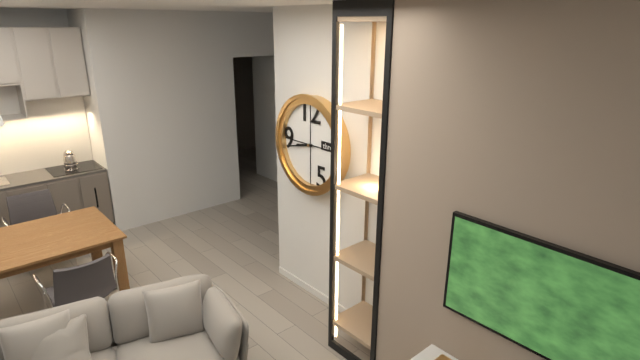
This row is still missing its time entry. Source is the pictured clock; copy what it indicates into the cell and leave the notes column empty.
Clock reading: 8:43
